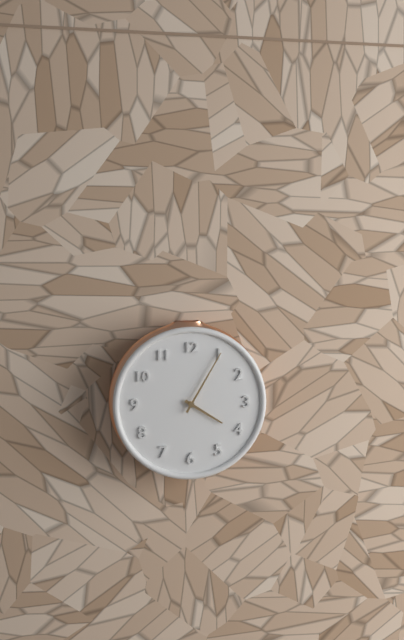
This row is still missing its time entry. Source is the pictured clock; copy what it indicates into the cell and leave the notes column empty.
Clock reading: 4:05
